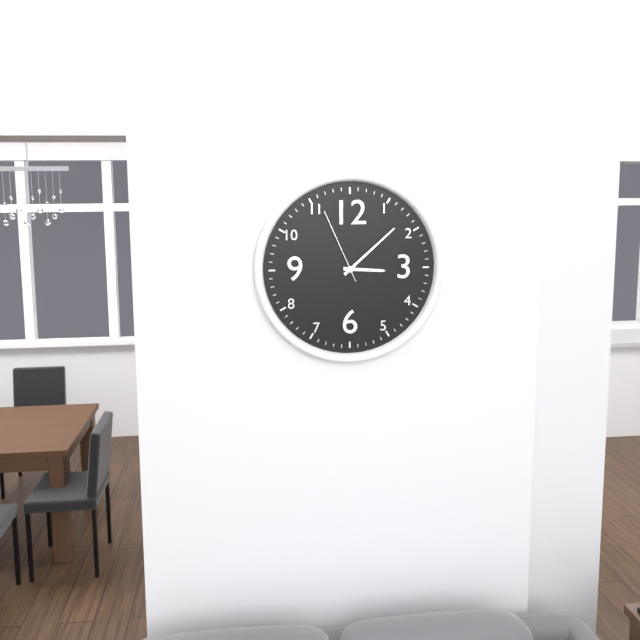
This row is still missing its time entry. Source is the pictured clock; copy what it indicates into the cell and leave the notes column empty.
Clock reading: 3:08:56
